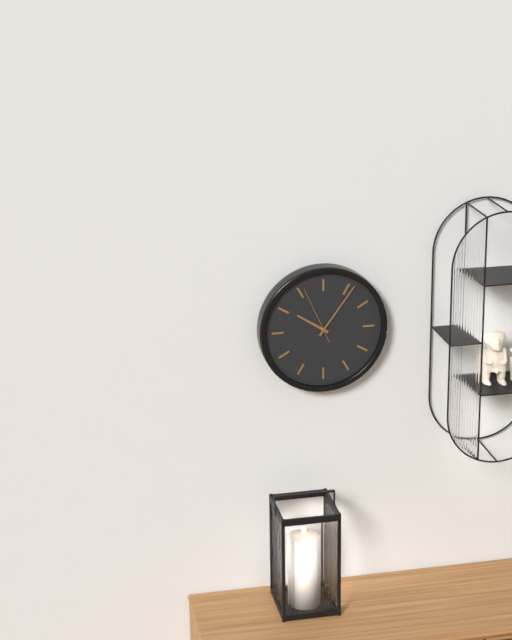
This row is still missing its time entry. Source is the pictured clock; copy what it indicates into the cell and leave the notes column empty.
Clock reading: 10:06:56
